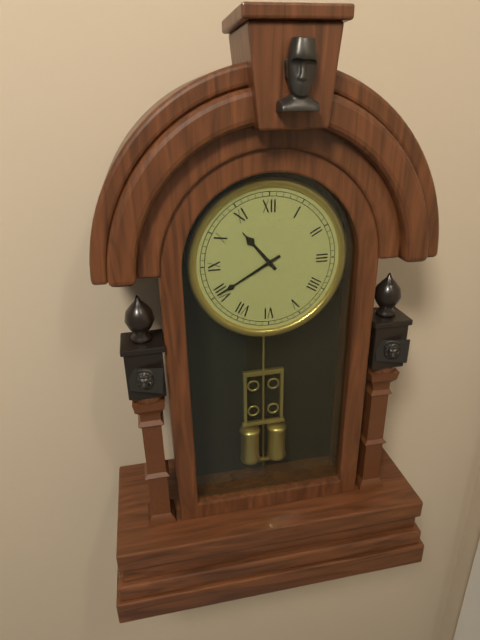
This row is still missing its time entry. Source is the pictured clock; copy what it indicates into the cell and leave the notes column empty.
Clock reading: 10:40
